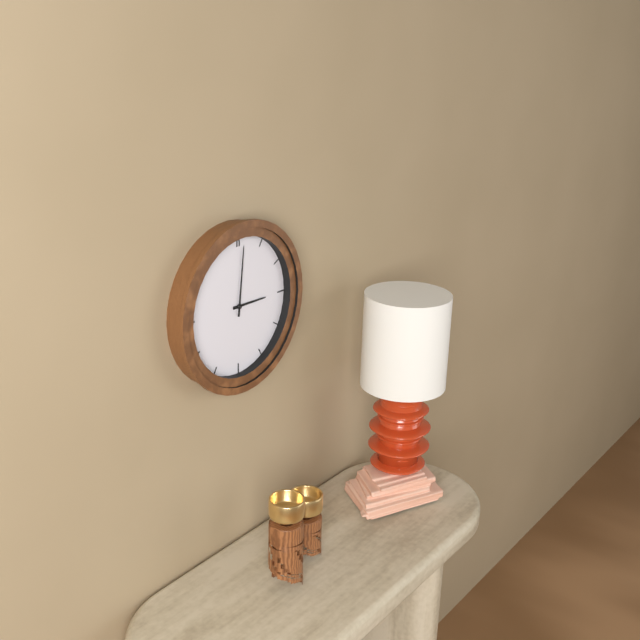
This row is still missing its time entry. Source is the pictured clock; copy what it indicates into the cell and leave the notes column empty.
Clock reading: 3:01
